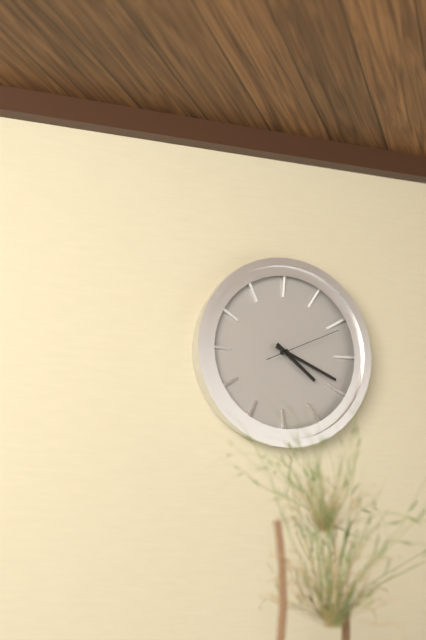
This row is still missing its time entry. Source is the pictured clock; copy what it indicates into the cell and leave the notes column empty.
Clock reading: 4:19:11
